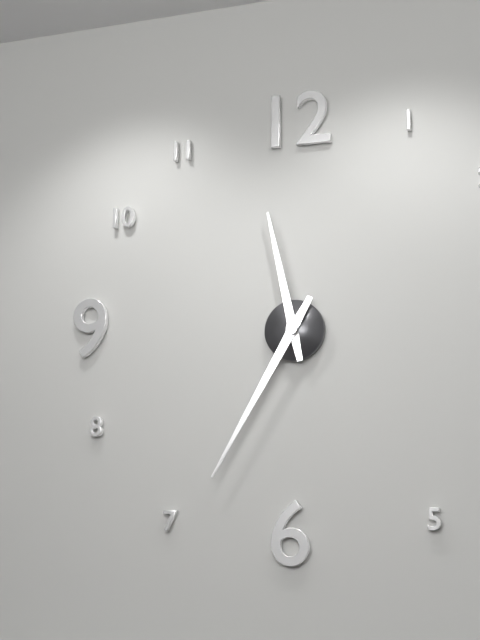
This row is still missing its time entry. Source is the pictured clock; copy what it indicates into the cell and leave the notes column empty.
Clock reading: 11:35
